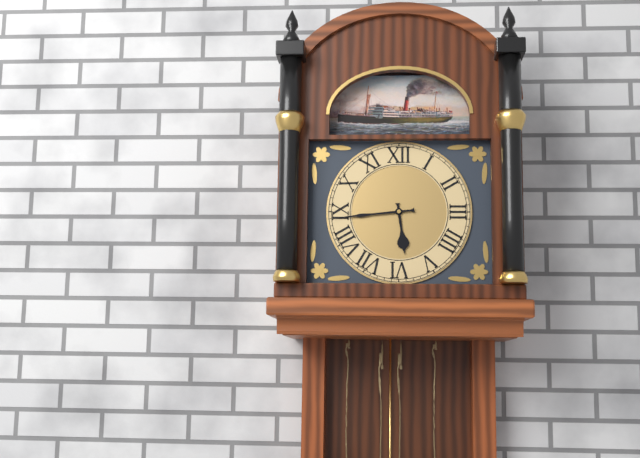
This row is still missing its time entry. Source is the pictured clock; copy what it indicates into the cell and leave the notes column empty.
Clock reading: 5:44
